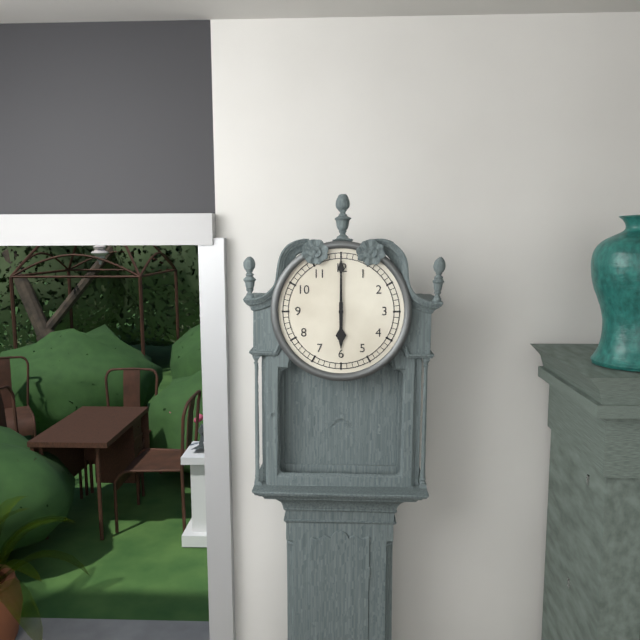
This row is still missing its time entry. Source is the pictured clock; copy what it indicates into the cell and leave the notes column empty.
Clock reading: 6:00
